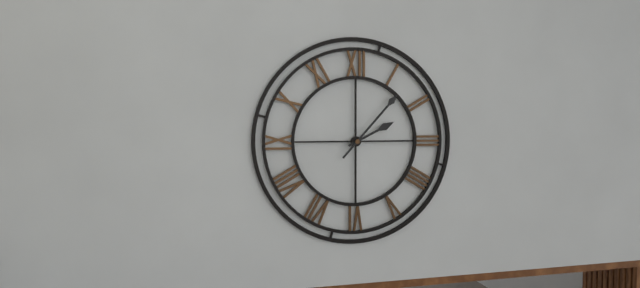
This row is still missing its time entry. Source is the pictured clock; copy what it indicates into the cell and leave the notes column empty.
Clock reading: 2:07
